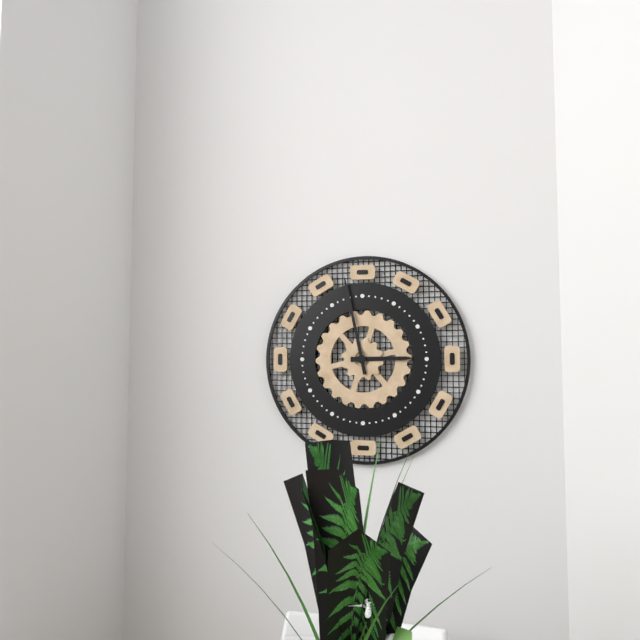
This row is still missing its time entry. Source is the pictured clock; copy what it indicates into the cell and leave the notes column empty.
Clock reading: 2:58
